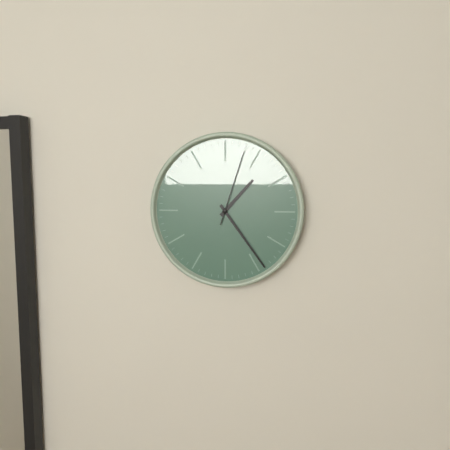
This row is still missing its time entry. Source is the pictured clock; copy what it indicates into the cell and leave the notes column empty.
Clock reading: 1:24:03
